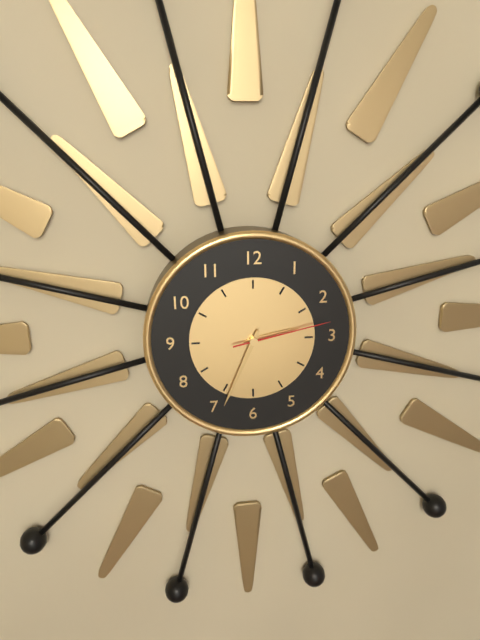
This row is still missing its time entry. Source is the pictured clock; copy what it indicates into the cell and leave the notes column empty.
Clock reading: 2:34:13
